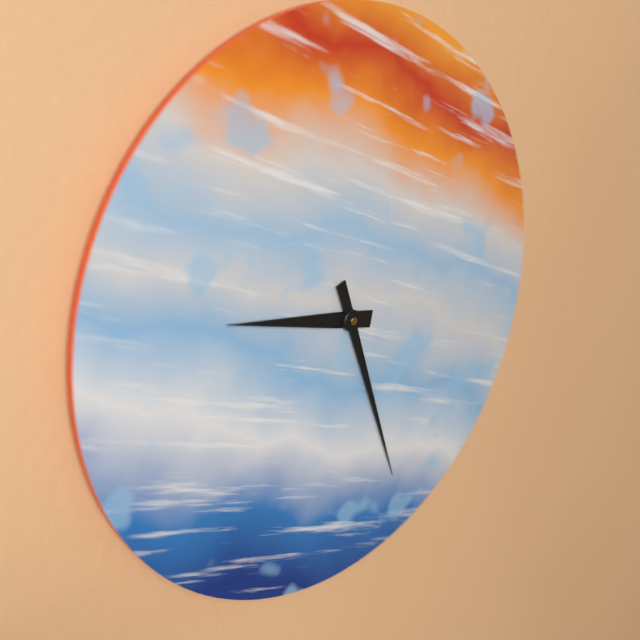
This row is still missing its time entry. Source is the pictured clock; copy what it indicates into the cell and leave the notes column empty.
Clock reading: 9:27
